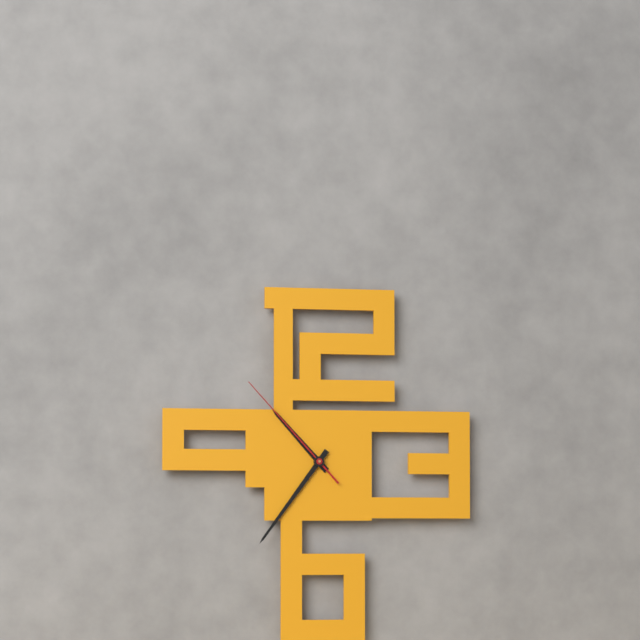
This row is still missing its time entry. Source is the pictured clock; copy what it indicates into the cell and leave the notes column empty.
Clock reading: 10:36:53
